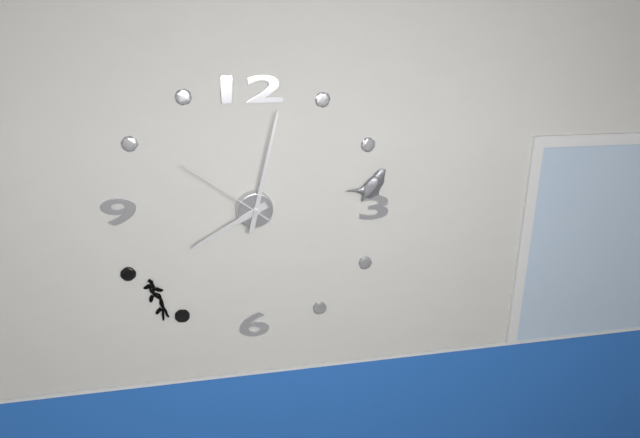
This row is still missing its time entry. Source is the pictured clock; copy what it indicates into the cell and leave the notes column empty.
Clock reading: 8:02:51
